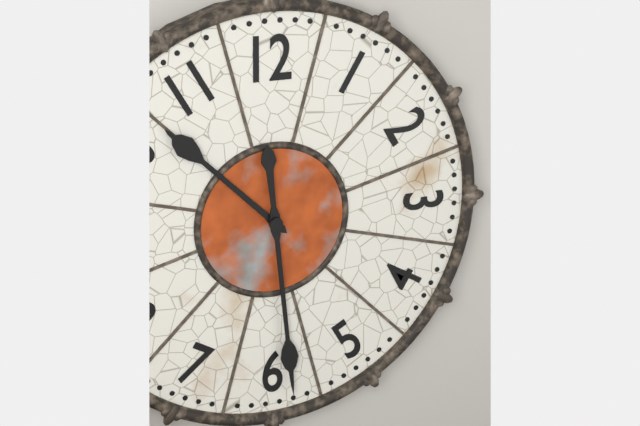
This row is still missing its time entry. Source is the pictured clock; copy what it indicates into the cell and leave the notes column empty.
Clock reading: 10:29
